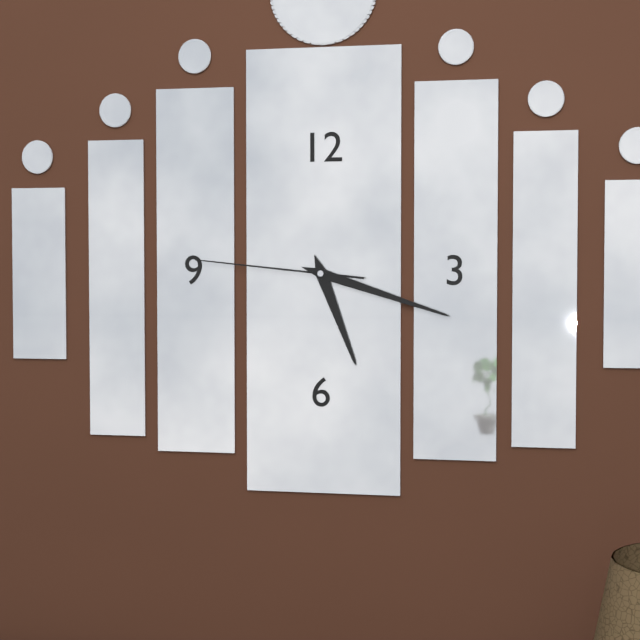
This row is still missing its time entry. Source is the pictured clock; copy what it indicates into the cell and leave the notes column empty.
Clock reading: 5:18:46
